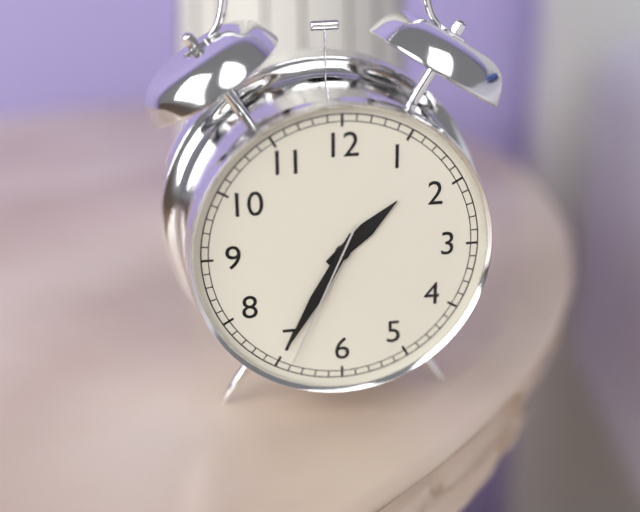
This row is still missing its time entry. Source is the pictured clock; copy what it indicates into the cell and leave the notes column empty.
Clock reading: 1:35:34
